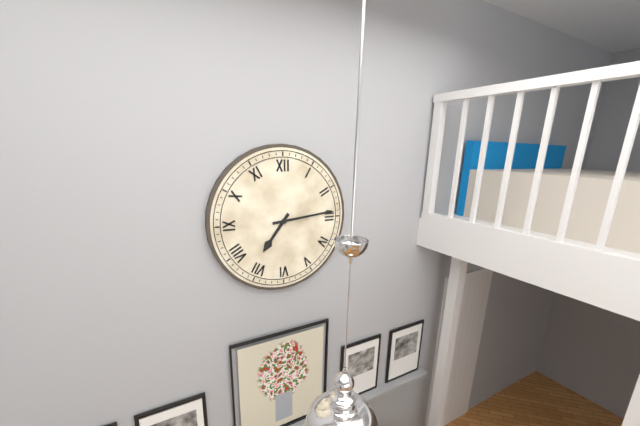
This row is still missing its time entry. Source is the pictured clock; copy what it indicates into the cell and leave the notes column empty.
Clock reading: 7:14
